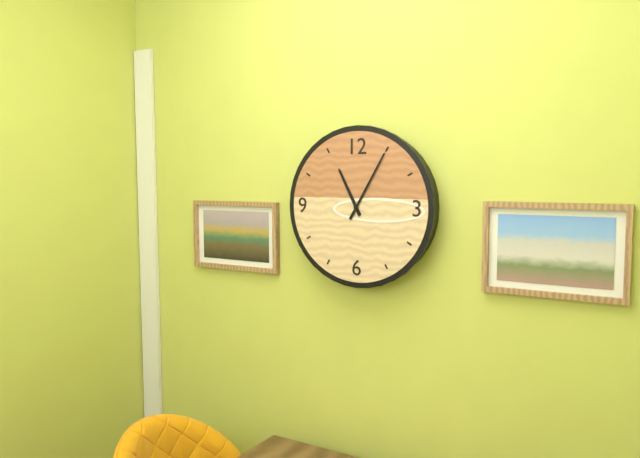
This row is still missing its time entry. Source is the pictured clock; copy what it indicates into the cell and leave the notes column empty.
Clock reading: 11:05
